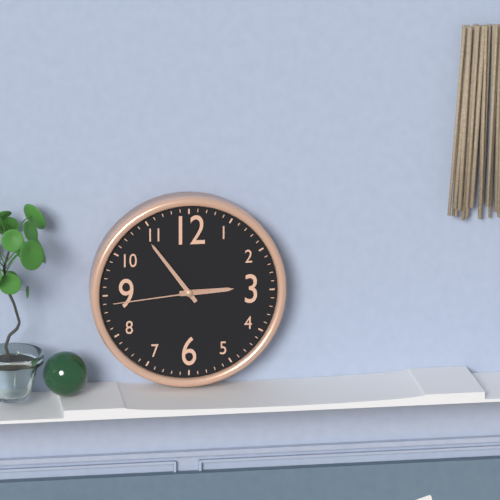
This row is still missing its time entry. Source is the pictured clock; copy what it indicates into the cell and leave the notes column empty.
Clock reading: 2:54:44
